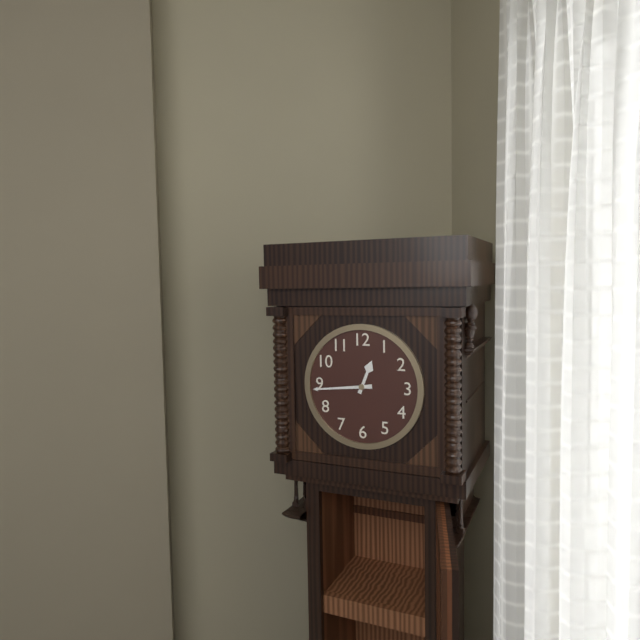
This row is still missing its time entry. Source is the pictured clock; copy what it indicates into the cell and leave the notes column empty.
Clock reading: 12:44
